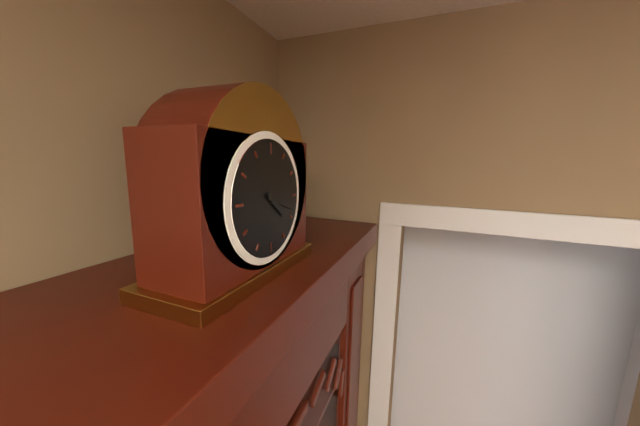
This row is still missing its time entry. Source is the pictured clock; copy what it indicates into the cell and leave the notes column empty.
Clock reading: 4:18
